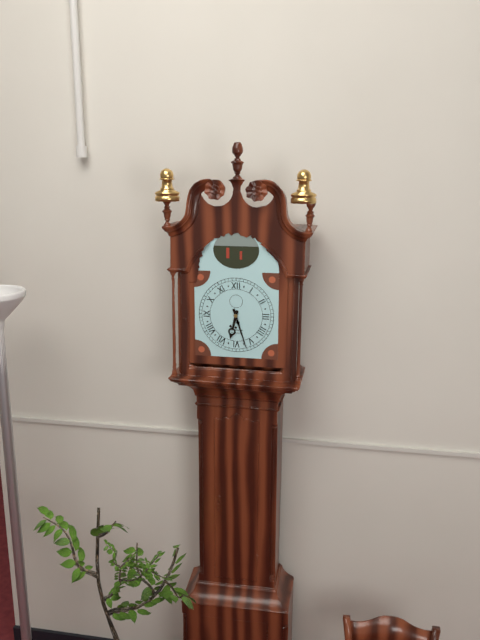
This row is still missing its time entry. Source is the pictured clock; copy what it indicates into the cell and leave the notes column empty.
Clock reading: 6:27
